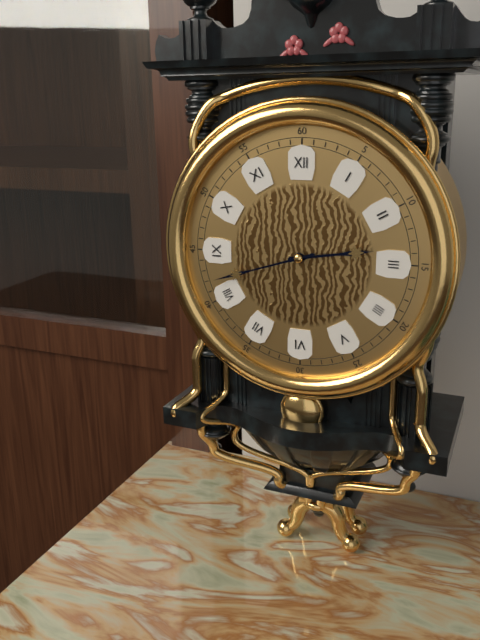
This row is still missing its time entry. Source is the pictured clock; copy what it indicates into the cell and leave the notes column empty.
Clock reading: 2:42
